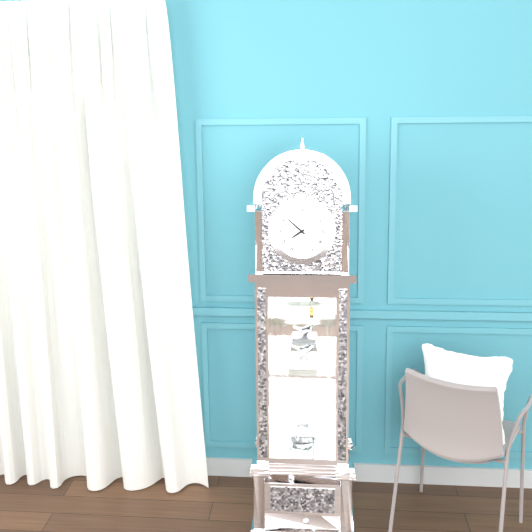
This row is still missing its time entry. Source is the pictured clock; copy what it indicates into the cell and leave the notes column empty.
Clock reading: 7:52
